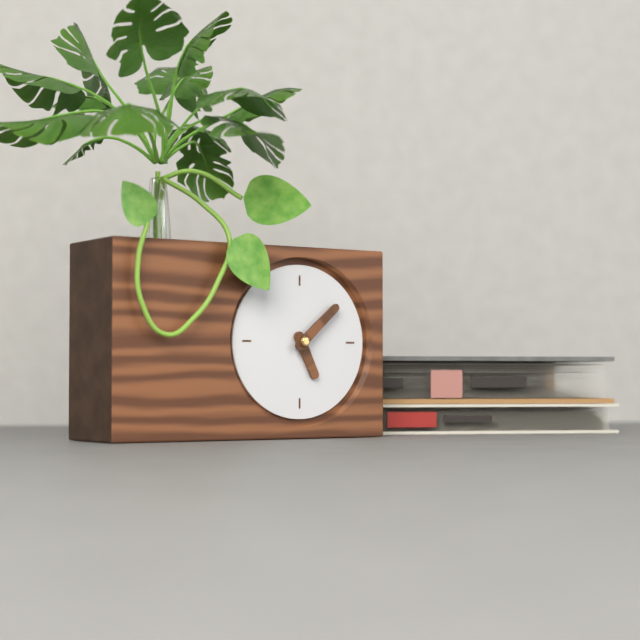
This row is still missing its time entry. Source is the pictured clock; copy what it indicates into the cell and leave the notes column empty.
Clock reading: 5:08
